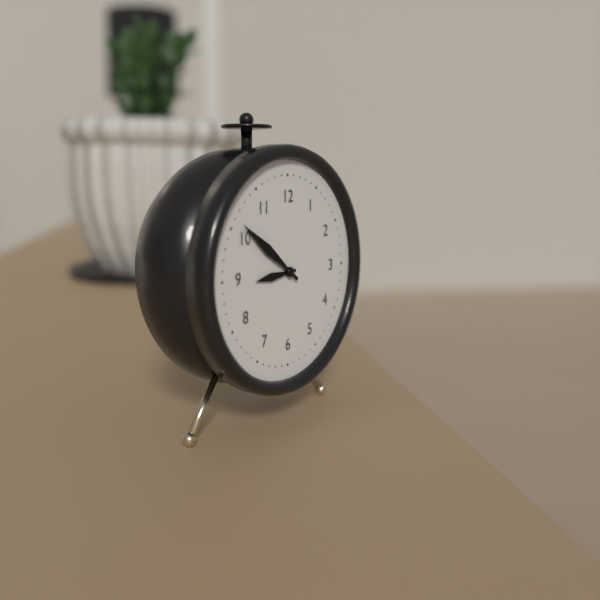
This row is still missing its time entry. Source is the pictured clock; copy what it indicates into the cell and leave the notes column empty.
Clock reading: 8:51
